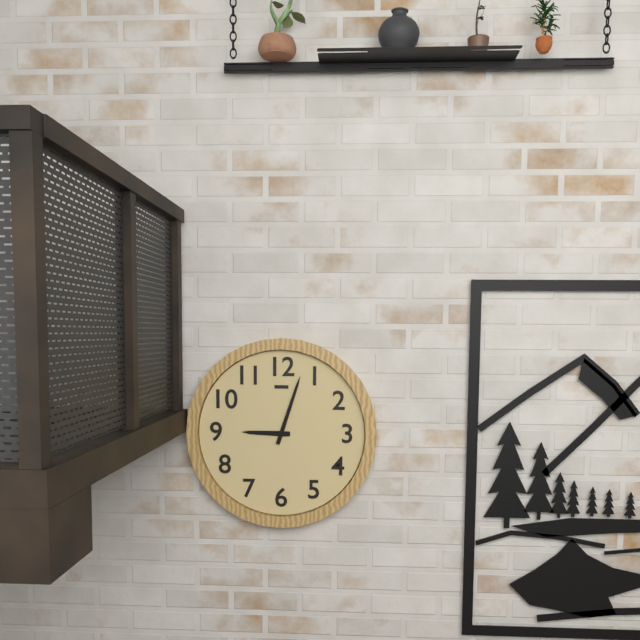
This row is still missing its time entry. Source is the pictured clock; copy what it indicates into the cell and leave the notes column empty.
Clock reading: 9:03
